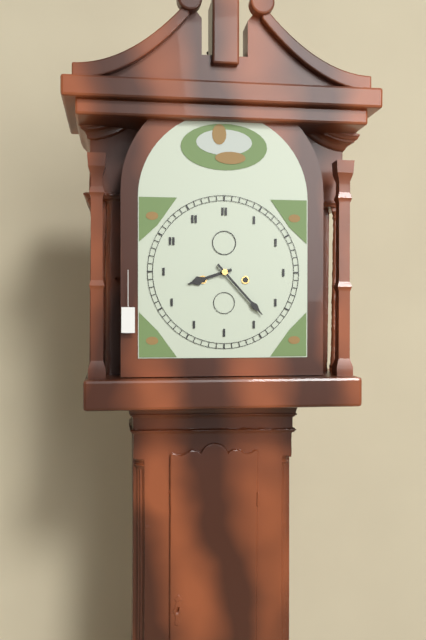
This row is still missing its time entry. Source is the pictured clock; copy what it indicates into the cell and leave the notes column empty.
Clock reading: 8:23
